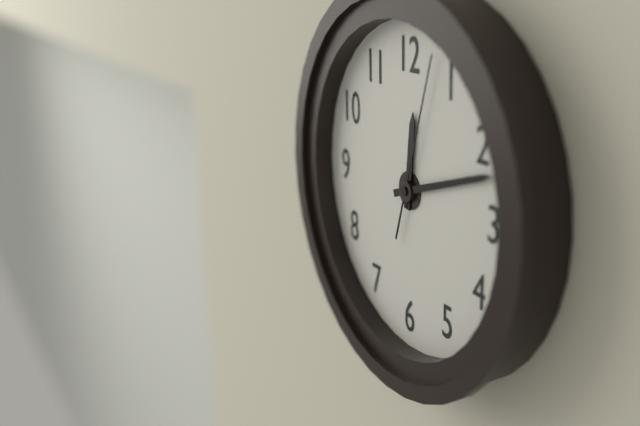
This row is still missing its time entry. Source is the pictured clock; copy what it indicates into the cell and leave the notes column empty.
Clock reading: 12:12:03
